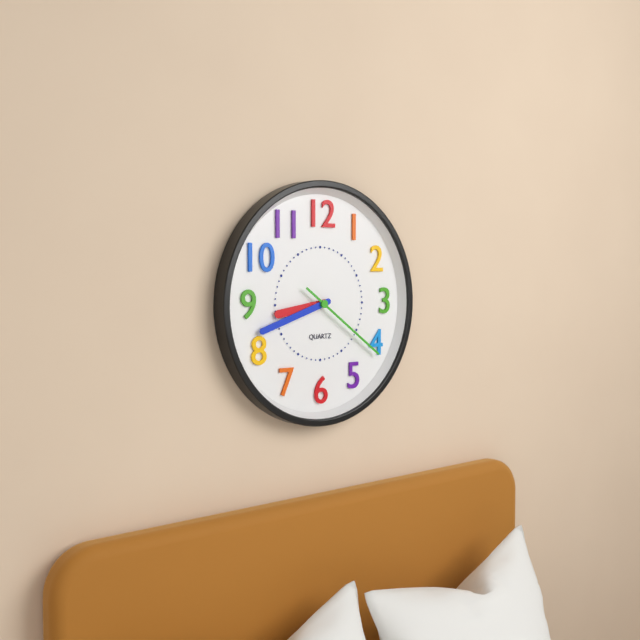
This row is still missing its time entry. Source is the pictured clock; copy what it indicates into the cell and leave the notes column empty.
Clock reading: 8:42:21
